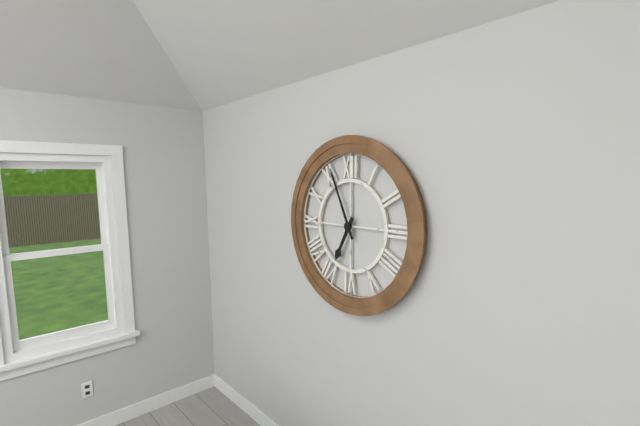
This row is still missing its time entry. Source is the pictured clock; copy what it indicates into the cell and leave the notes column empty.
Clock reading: 6:56
